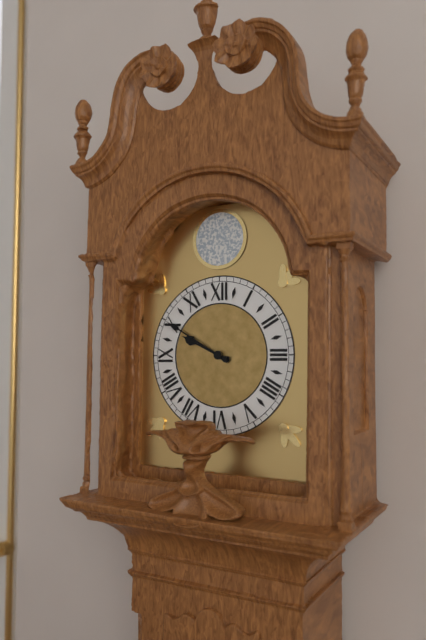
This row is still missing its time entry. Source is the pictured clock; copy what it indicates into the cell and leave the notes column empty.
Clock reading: 9:50
